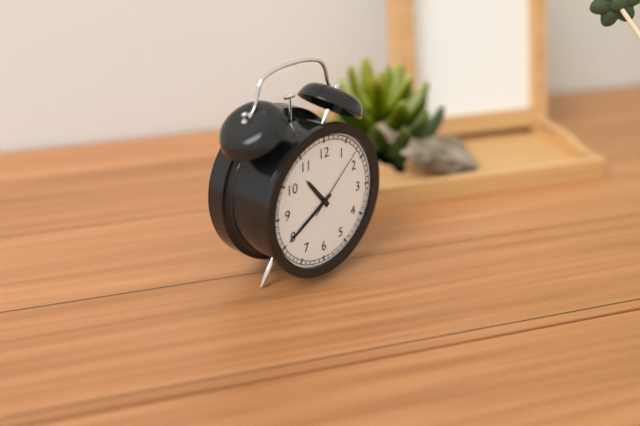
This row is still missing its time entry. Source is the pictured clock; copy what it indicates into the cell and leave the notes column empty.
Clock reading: 10:40:08
